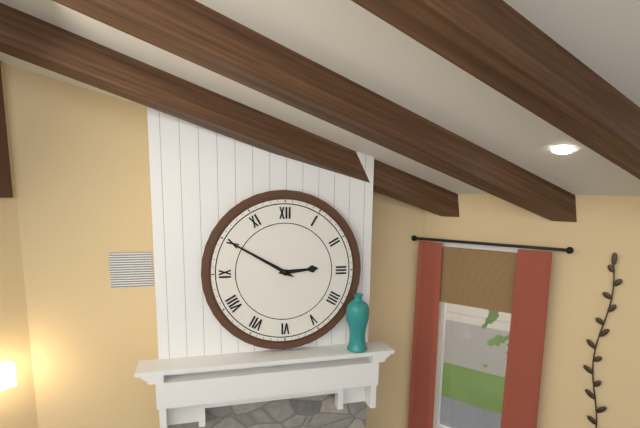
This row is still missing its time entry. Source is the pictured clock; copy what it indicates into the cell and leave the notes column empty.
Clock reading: 2:50
